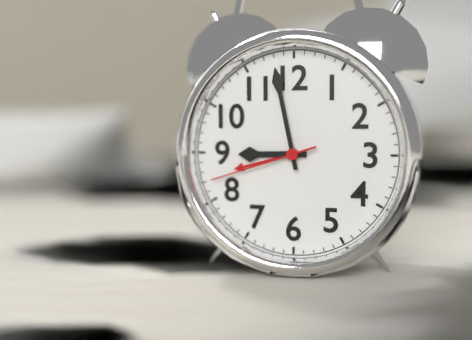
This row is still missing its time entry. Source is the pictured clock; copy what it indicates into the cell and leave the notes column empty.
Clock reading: 8:58:42
